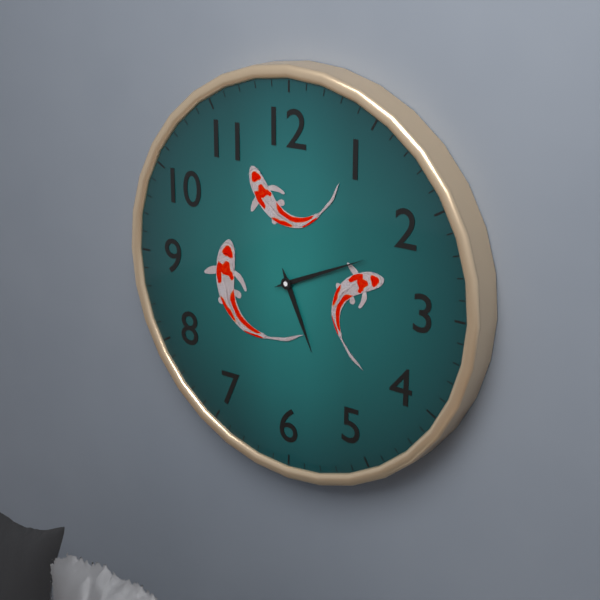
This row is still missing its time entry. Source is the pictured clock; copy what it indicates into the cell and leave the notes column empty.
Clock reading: 5:11
